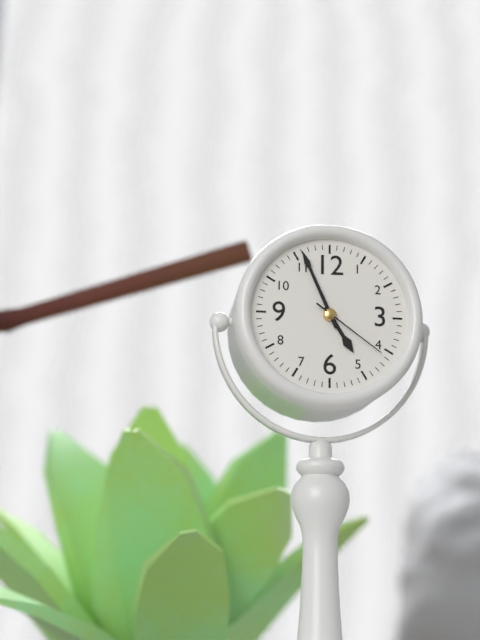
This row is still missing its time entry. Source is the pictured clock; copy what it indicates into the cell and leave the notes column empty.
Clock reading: 4:56:21
